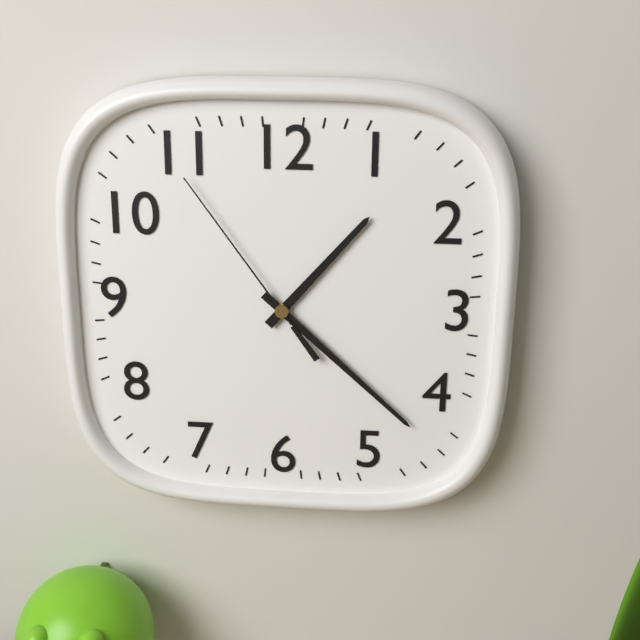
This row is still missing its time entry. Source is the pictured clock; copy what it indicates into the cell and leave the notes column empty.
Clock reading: 1:22:54
